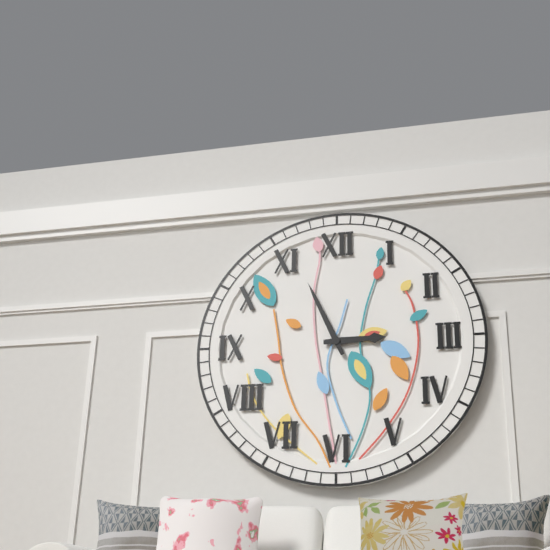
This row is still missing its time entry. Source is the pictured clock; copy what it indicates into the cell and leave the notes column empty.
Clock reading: 2:56
